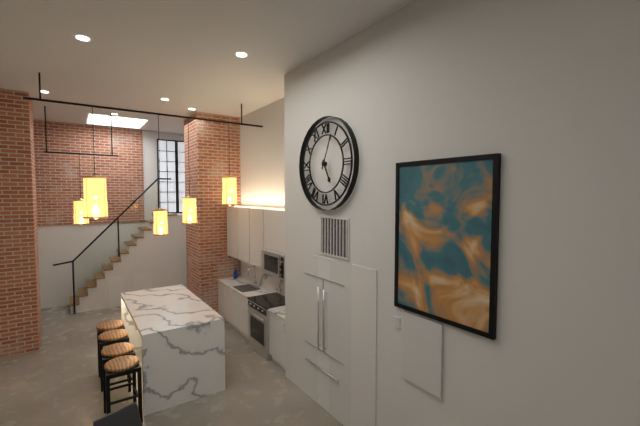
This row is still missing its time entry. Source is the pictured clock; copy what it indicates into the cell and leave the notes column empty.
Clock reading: 5:04
